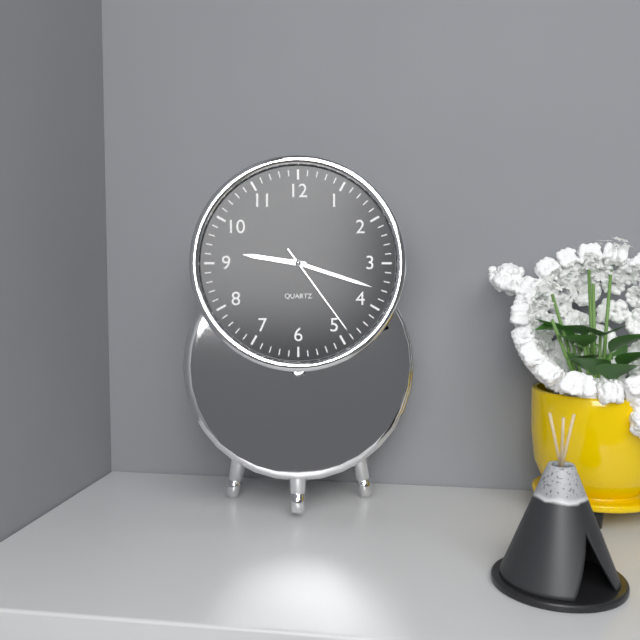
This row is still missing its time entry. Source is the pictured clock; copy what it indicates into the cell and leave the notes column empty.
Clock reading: 9:18:24
